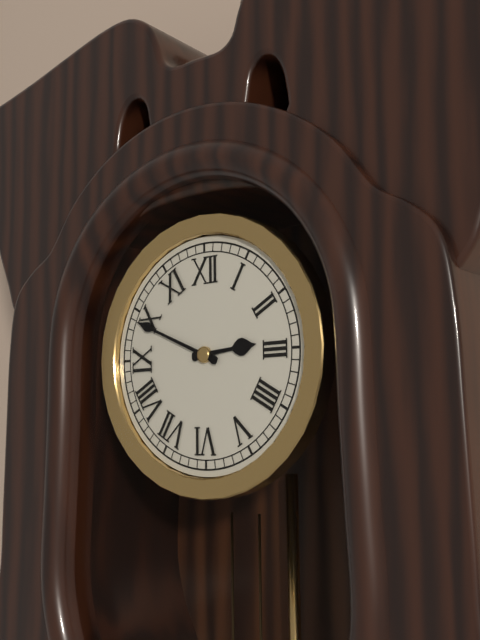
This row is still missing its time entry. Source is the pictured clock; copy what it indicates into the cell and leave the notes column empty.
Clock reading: 2:49
